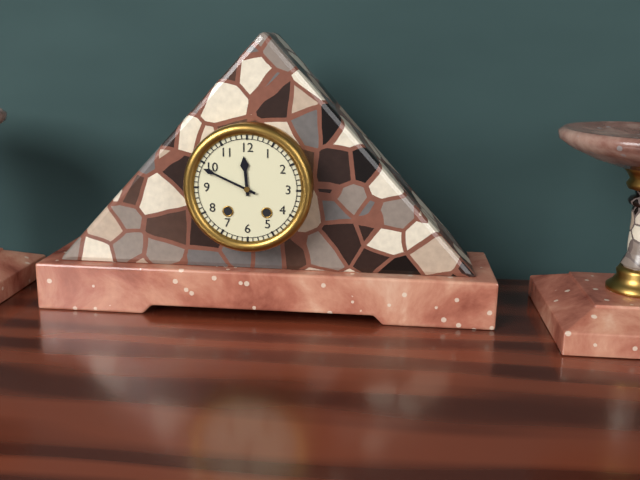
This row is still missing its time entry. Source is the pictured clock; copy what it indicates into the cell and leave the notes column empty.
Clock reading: 11:49
